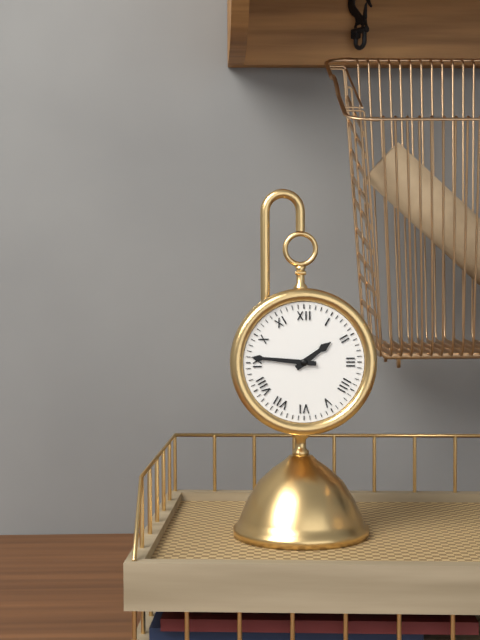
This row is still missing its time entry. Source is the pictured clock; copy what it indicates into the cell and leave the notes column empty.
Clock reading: 1:46
